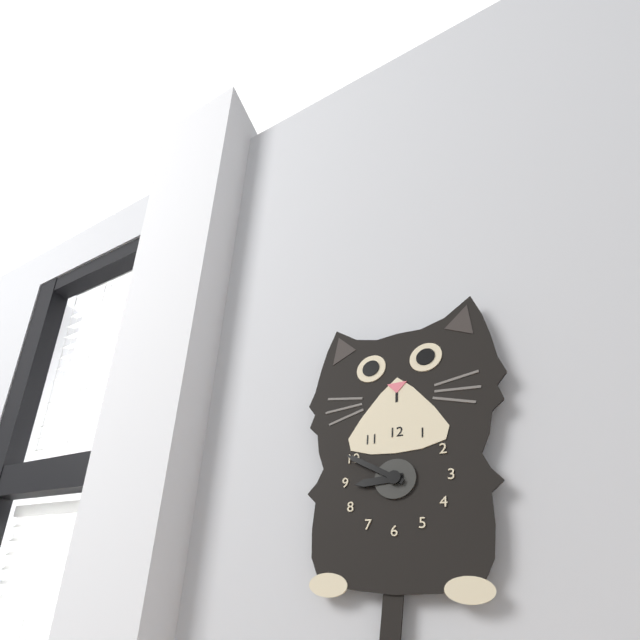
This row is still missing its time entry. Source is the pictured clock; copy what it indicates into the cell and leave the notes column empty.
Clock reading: 8:50
